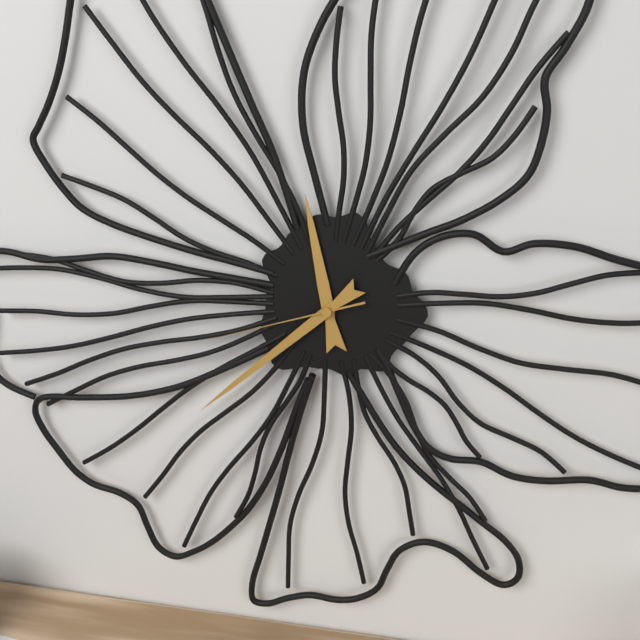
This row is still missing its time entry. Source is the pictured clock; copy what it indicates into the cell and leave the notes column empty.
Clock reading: 11:38:42
